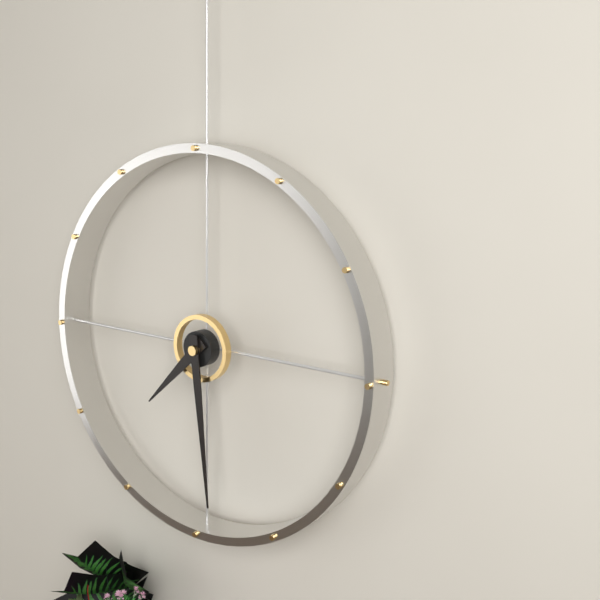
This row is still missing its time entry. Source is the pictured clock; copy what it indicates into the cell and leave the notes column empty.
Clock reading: 7:29
